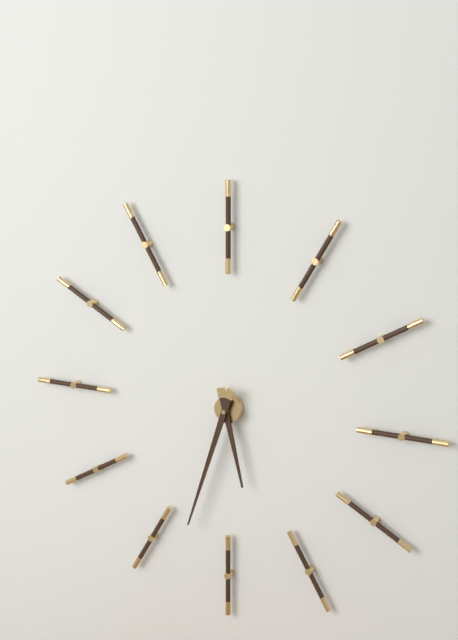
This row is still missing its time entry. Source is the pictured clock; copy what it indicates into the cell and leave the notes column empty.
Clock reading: 5:33
